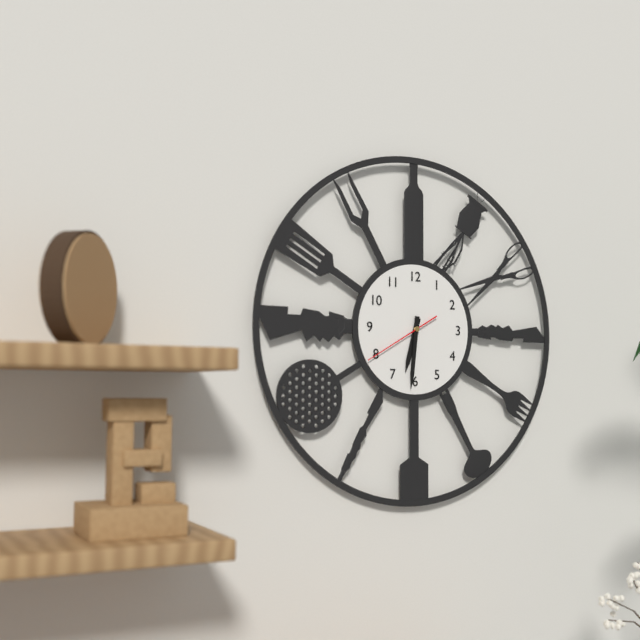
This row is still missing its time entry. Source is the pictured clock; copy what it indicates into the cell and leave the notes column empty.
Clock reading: 6:31:40
